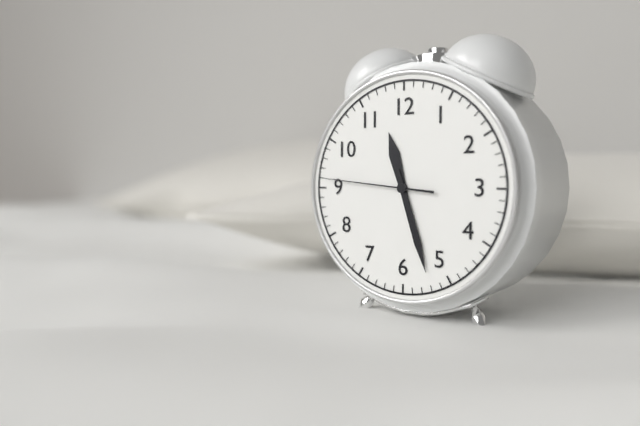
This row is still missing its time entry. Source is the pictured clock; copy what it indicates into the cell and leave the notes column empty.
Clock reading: 11:27:46
